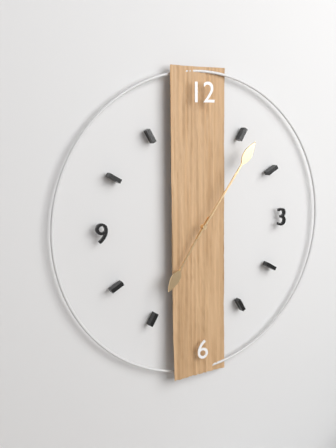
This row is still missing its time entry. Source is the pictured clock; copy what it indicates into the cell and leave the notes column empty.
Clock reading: 7:06
